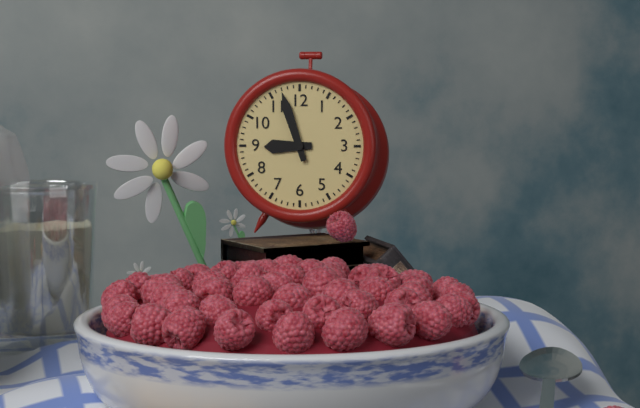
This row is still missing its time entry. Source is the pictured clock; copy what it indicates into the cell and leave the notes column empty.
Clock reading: 8:57
